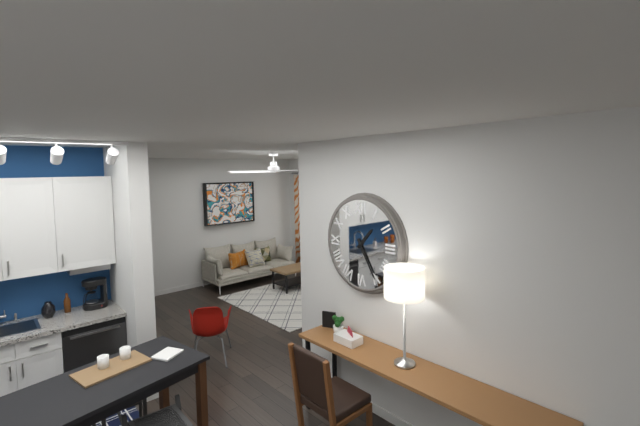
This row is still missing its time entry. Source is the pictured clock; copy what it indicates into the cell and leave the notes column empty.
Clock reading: 1:25
